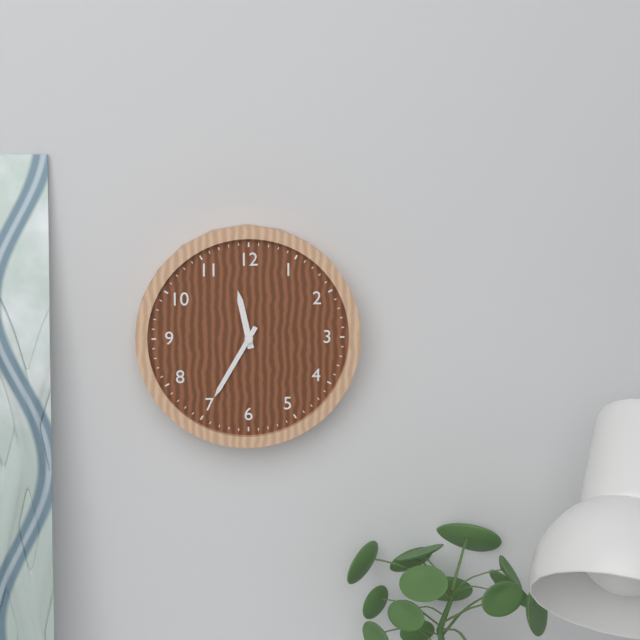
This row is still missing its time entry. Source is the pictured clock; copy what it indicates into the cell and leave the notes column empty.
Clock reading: 11:35
